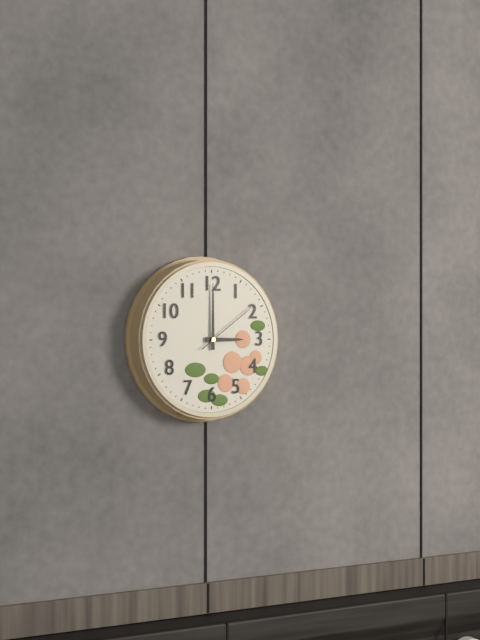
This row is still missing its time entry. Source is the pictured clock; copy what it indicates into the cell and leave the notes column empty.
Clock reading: 3:00:09
